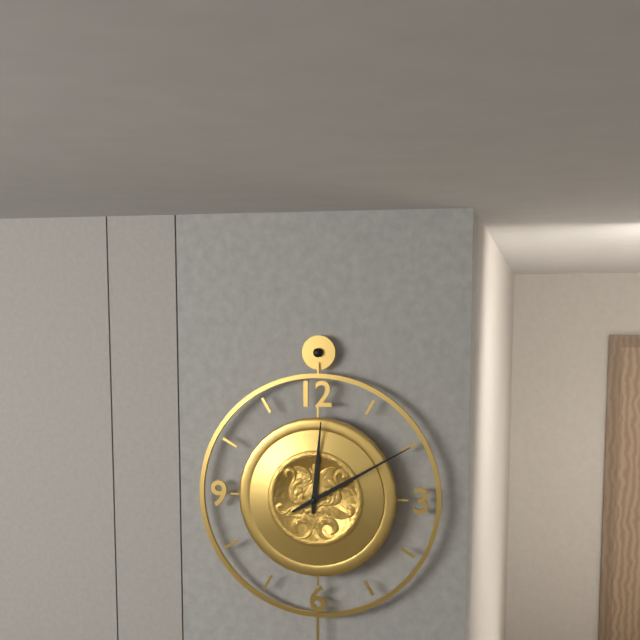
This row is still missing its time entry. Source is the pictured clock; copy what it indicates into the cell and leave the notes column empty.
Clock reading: 12:10
